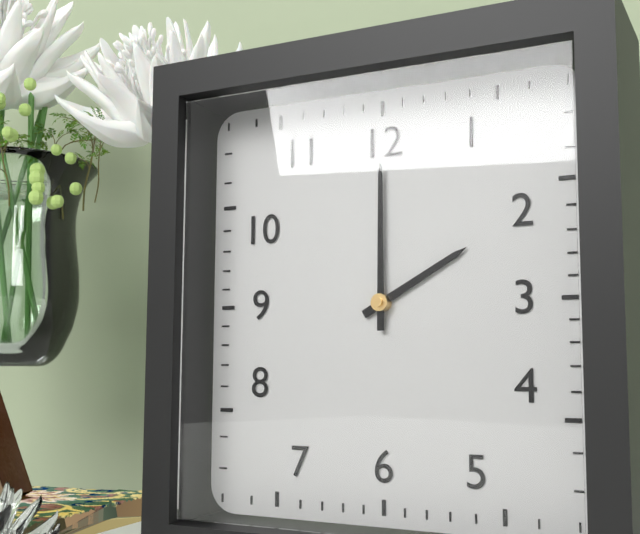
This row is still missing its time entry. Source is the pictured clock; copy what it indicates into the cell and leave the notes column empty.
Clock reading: 2:00
